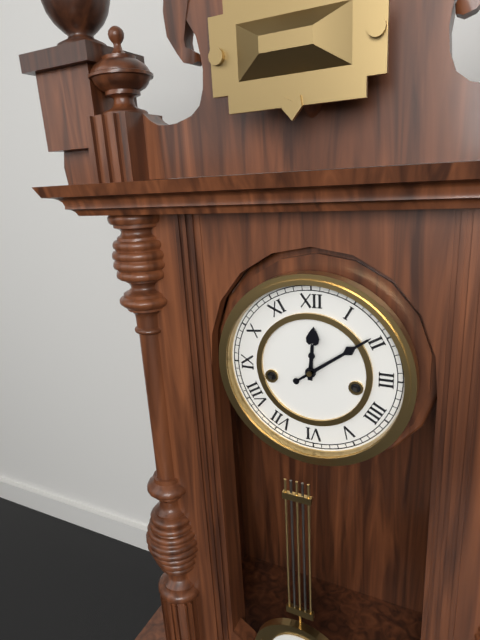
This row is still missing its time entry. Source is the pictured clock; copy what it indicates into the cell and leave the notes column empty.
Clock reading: 12:09
